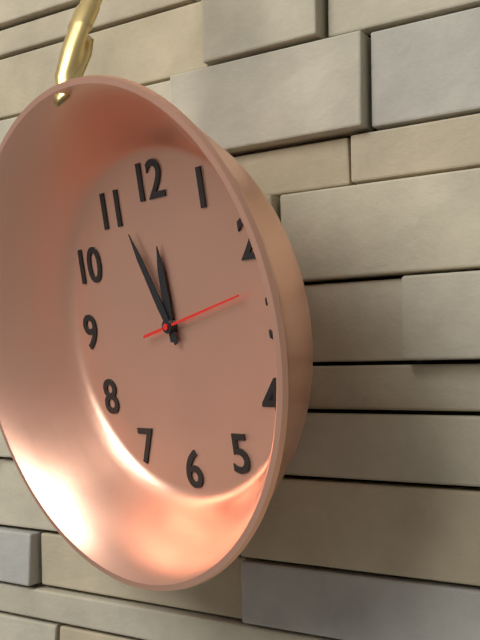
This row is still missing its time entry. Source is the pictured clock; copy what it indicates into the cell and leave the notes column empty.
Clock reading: 11:56:13
